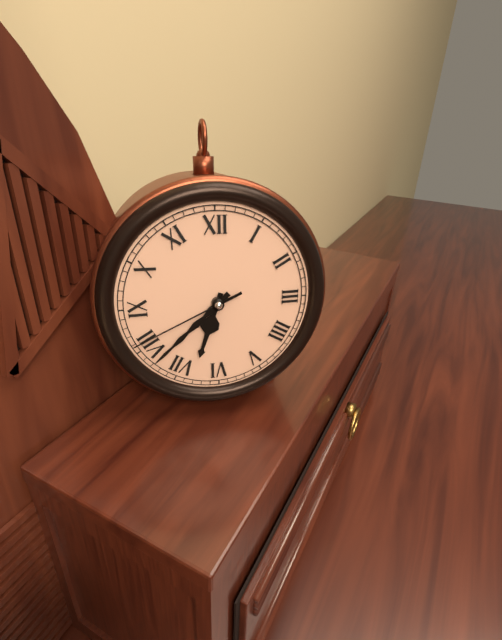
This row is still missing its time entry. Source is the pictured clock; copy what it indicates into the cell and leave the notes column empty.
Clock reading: 6:38:41
